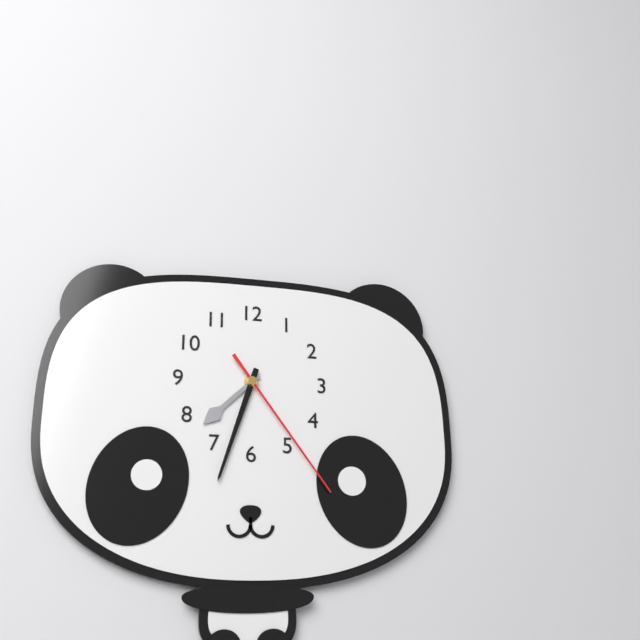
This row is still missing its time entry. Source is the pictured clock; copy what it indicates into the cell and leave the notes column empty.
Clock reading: 7:33:24
